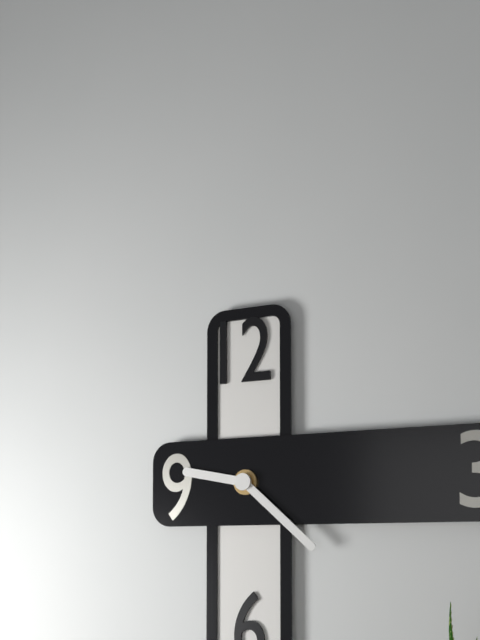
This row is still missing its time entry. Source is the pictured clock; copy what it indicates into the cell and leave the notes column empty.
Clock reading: 9:22
